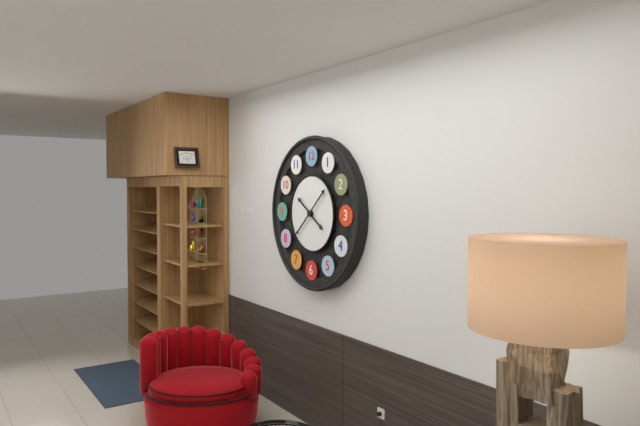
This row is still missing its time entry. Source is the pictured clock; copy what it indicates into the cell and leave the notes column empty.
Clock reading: 4:08
